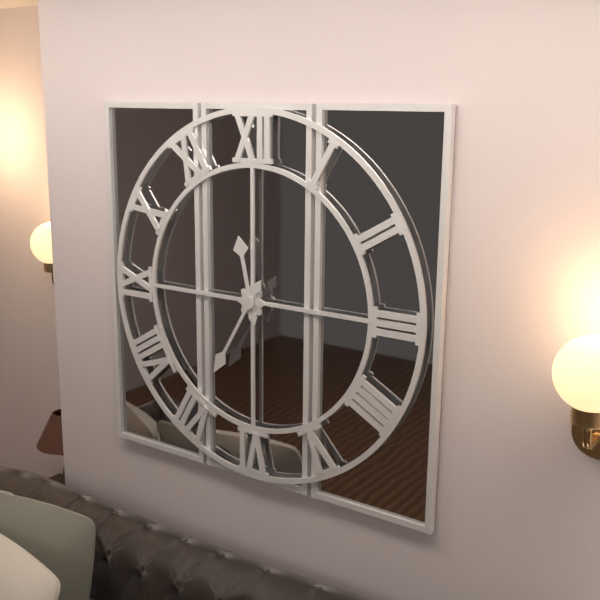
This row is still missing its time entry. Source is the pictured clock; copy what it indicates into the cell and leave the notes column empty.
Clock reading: 11:35
